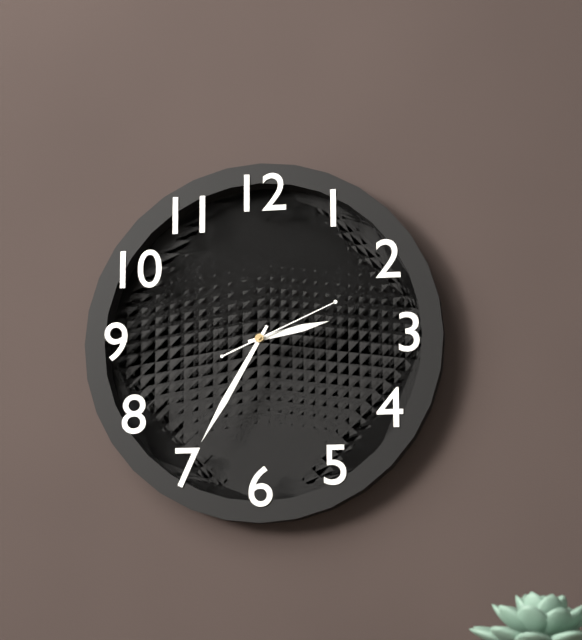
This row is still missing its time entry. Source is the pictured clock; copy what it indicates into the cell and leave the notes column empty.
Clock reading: 2:35:11
